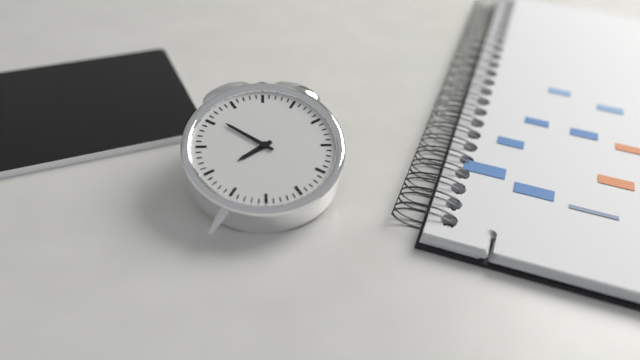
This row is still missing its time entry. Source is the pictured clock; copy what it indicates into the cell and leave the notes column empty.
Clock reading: 7:51
